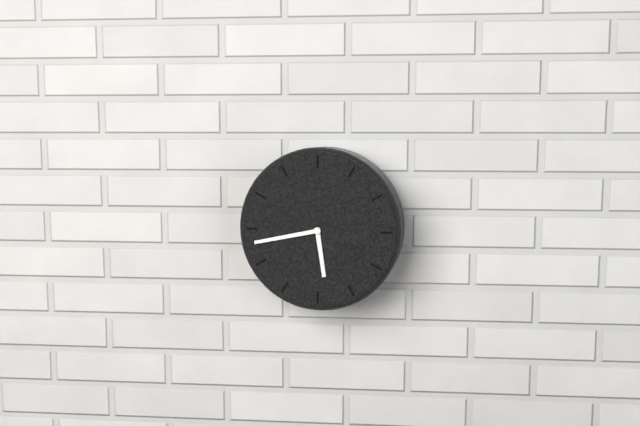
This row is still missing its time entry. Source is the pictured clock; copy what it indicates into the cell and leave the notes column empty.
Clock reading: 5:43
